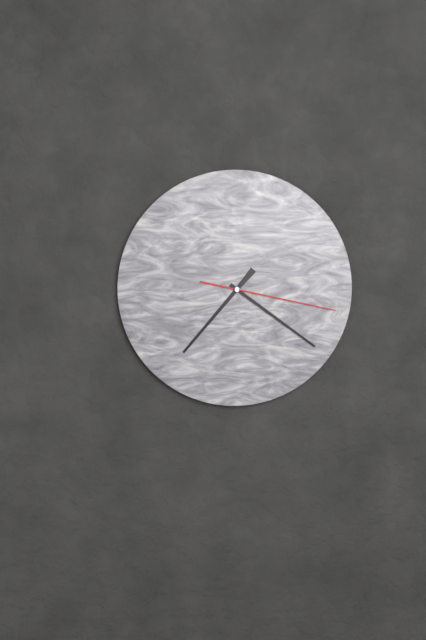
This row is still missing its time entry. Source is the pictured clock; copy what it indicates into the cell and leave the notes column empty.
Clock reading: 7:21:17
